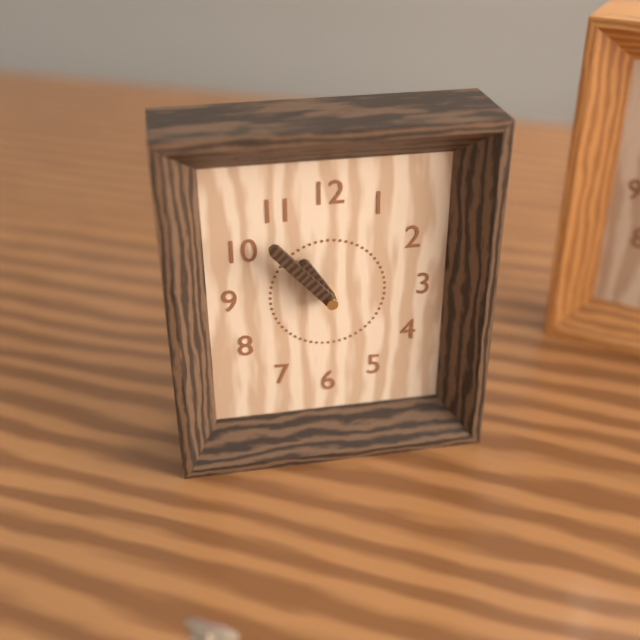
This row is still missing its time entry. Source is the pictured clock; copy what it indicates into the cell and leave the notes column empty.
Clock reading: 10:53
